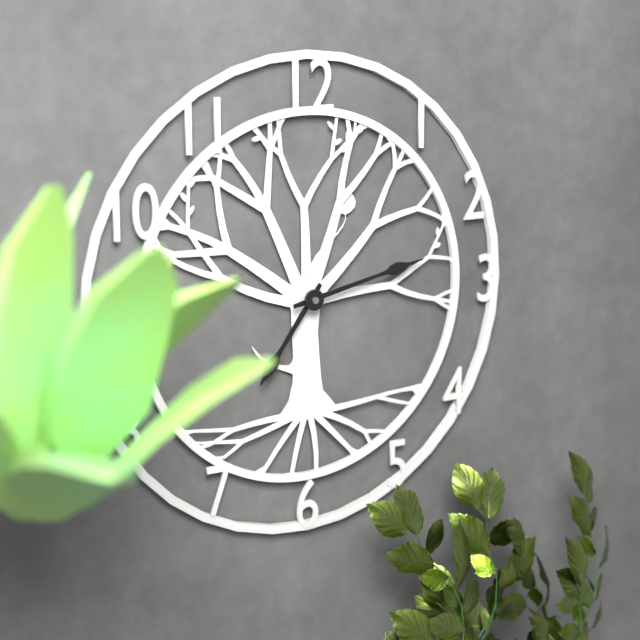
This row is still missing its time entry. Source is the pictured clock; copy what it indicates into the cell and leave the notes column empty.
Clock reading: 7:13
